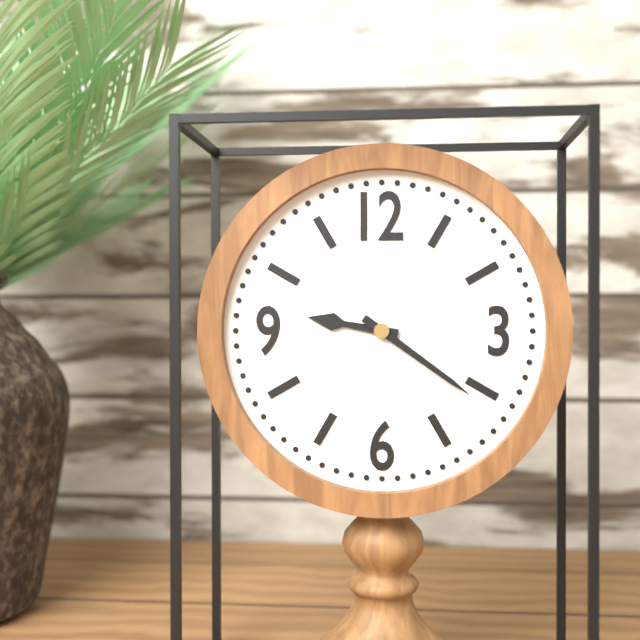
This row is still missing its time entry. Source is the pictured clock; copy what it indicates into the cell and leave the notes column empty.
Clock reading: 9:21
